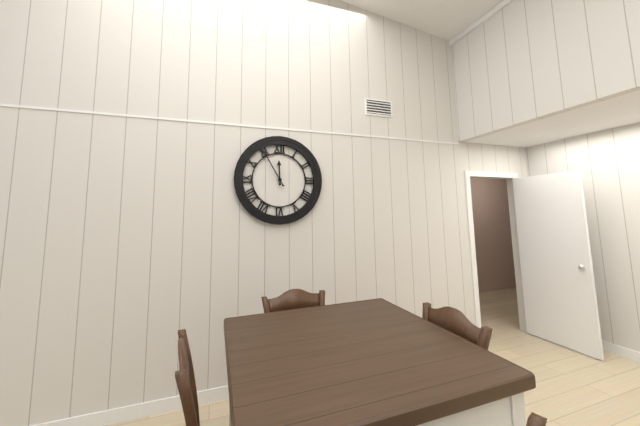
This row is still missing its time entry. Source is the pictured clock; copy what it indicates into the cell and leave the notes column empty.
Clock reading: 11:55
